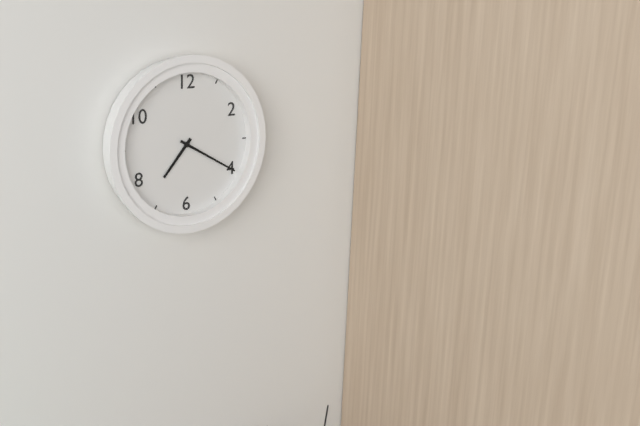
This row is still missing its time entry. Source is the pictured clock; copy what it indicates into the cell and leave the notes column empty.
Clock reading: 7:20
